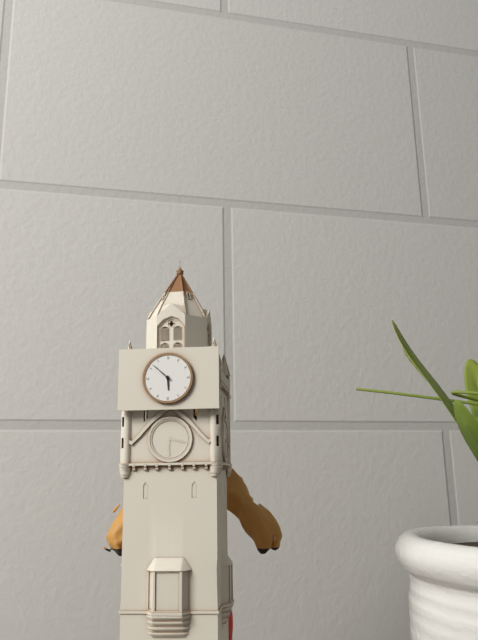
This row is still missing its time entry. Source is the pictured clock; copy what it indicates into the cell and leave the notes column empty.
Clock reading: 5:52
